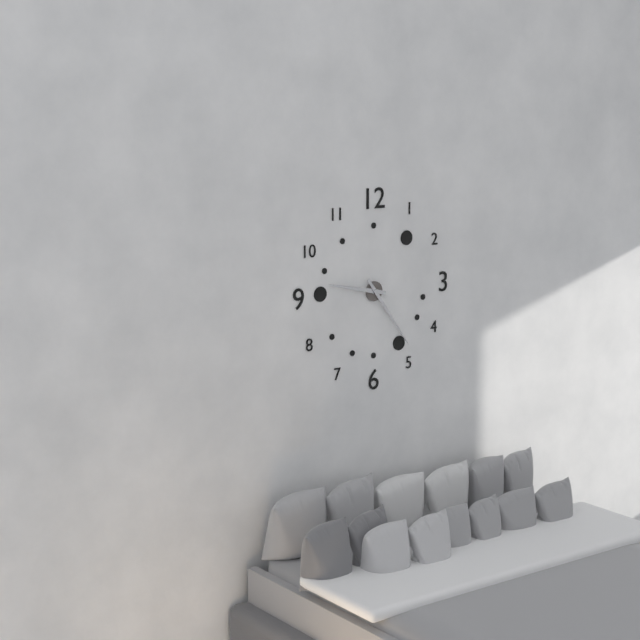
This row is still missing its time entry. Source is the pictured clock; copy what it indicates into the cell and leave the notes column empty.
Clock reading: 9:24
